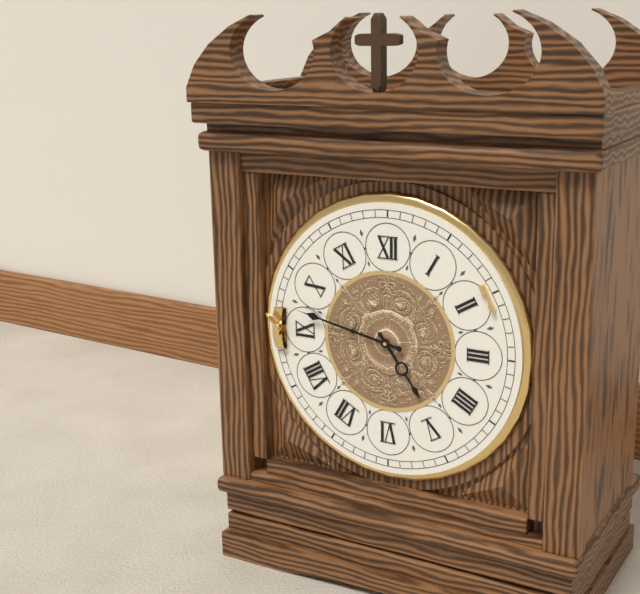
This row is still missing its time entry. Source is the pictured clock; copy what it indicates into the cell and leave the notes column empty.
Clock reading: 4:47
